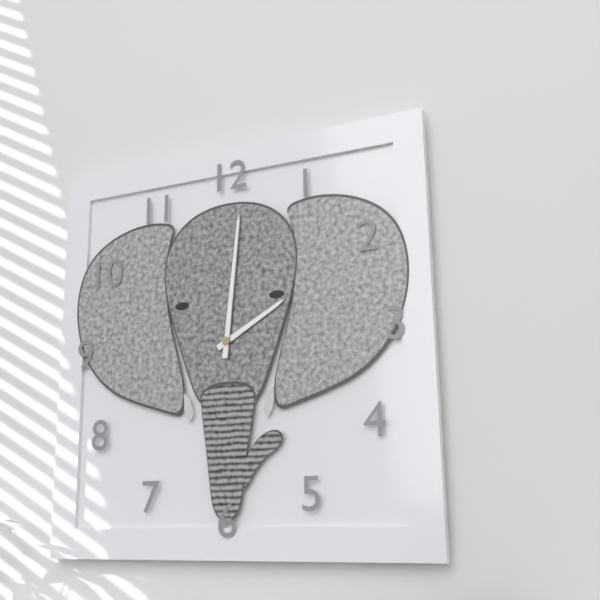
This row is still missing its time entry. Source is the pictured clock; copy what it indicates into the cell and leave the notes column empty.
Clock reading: 2:01
